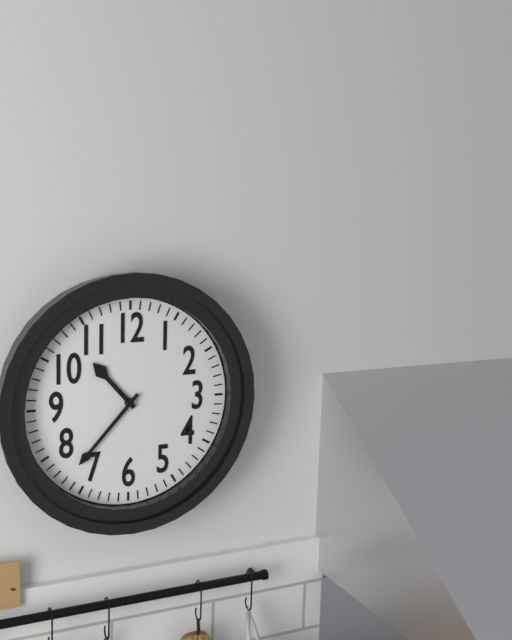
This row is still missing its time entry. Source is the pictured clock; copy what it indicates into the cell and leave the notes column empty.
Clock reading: 10:37
